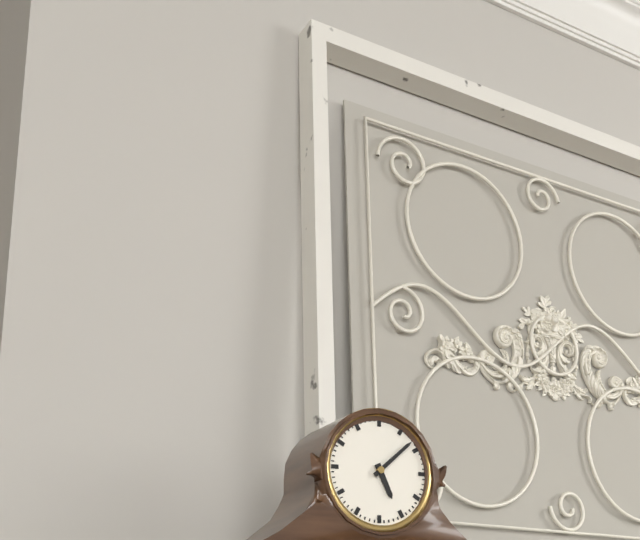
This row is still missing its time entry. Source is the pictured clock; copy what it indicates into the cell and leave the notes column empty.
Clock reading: 5:08
